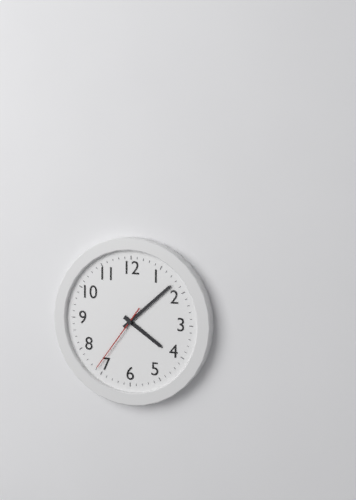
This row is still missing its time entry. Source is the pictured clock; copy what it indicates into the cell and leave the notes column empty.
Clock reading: 4:08:36
